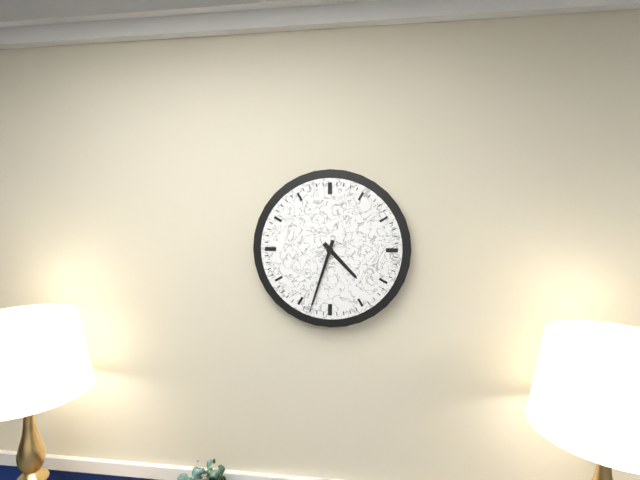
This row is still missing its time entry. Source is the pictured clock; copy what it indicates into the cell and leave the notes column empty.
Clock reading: 4:33
